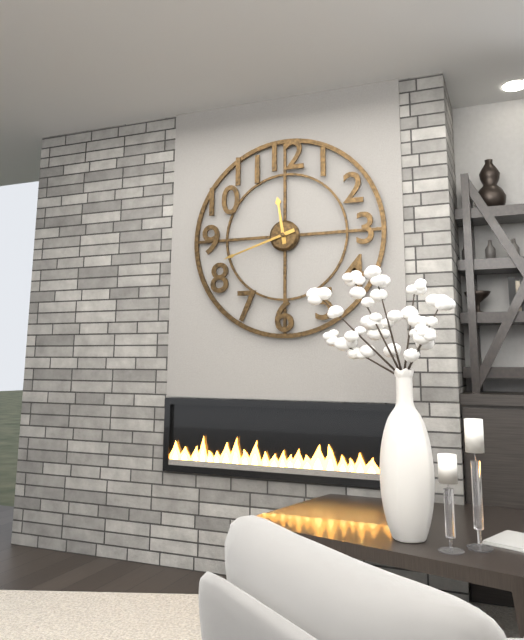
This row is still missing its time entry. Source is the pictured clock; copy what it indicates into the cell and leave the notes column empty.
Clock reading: 11:42
